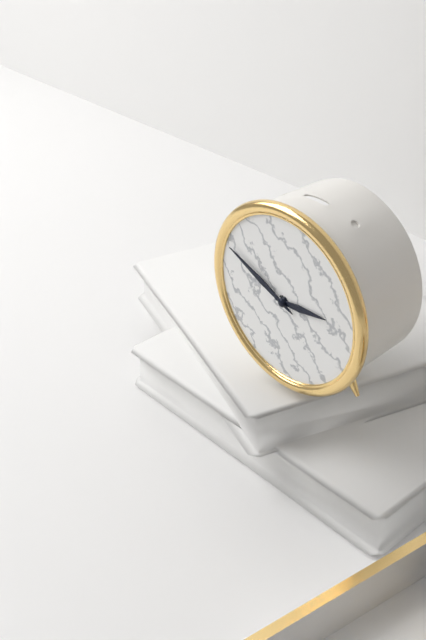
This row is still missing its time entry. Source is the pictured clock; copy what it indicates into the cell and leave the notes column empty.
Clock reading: 2:49
